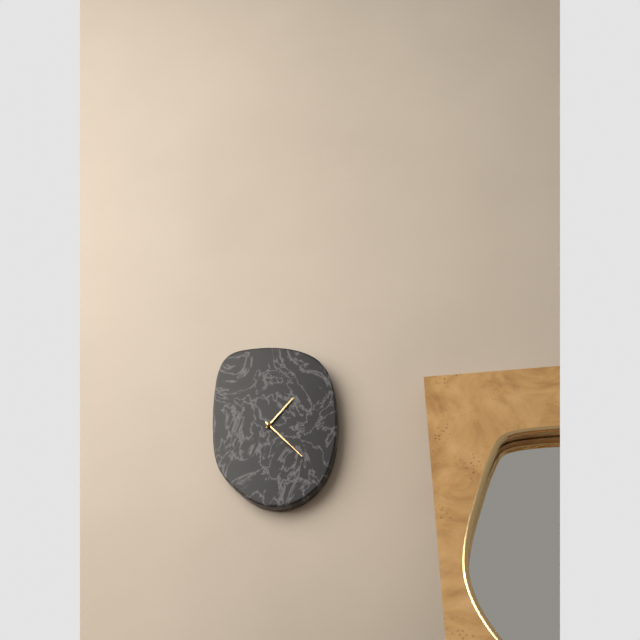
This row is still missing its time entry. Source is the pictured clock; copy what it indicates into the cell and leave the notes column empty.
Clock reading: 1:23
